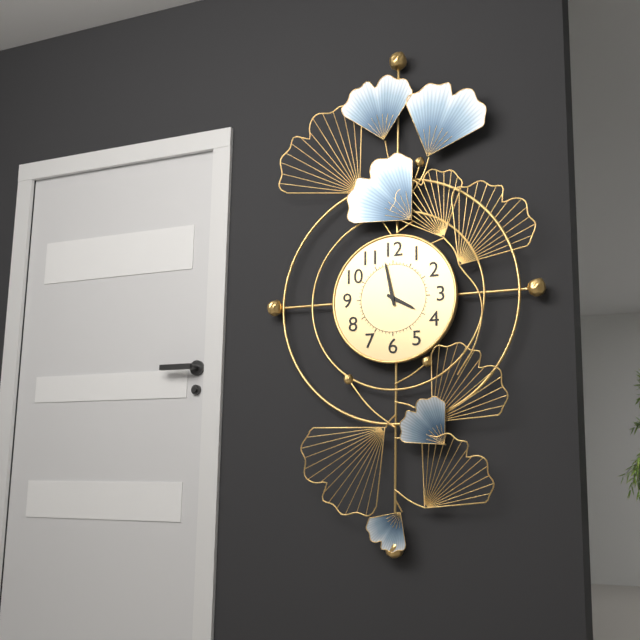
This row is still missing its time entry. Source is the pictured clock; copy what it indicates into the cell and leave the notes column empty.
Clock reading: 3:58
